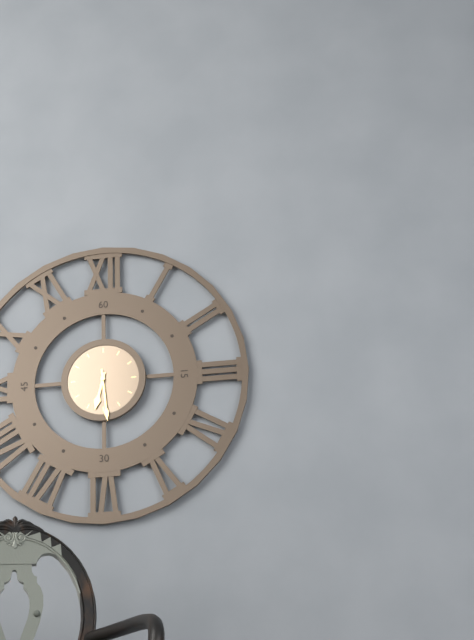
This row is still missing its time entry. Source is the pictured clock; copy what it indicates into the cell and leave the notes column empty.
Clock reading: 6:29
